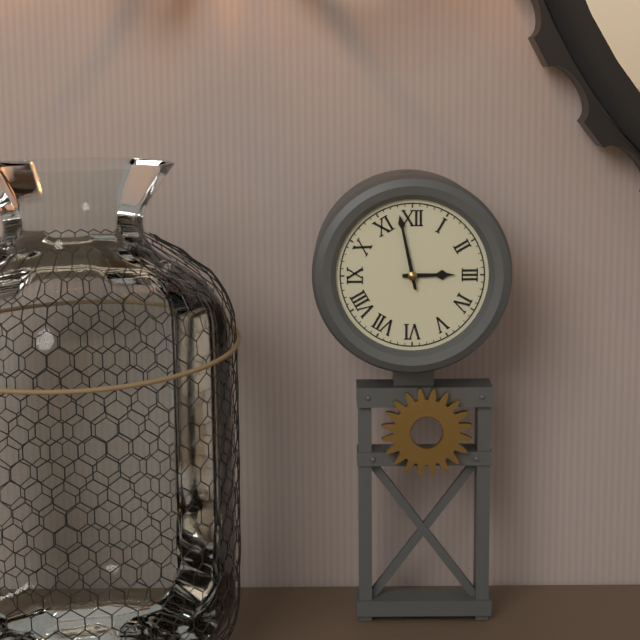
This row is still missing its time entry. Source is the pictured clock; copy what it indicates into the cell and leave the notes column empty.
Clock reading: 2:58
